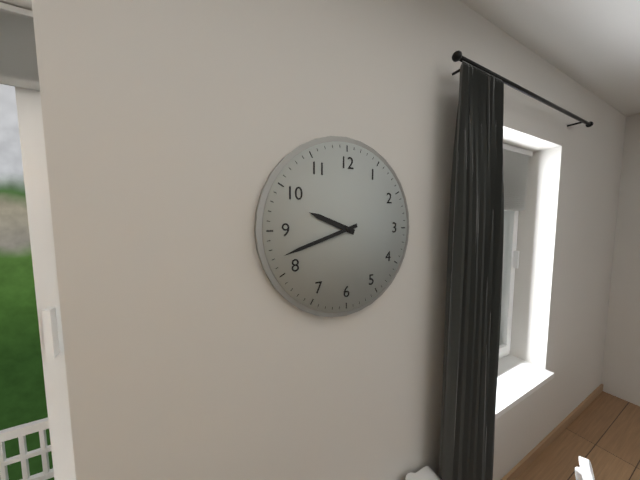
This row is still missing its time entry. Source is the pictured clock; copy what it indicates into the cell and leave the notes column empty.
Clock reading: 9:42
